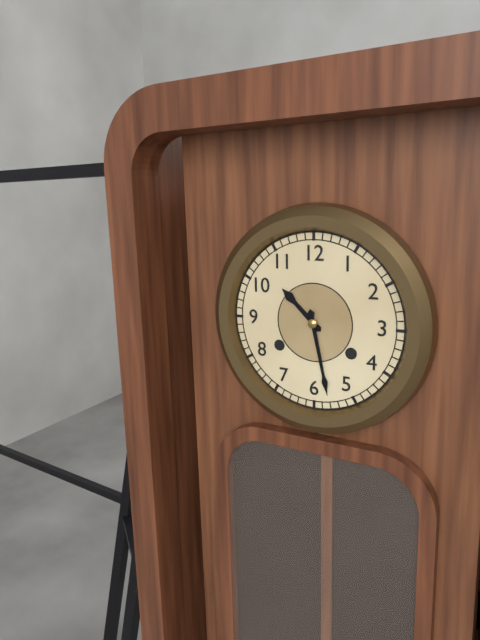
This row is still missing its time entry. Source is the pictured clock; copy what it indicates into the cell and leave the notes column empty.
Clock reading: 10:28
